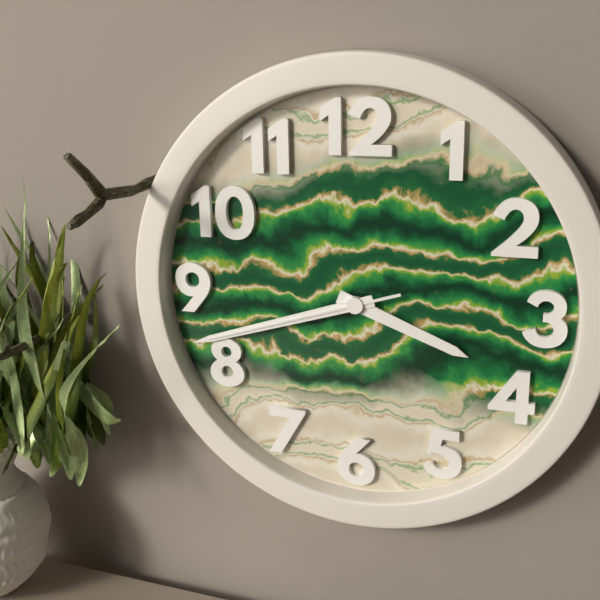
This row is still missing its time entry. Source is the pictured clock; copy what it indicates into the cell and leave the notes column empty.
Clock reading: 3:42:42
